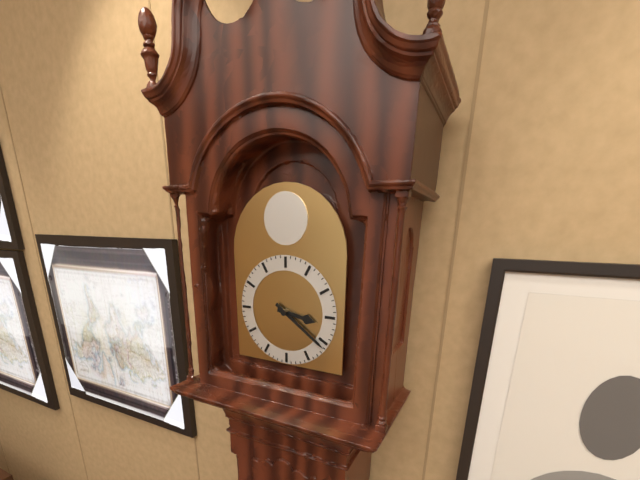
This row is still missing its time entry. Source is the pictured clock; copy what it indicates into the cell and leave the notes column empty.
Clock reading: 3:21
